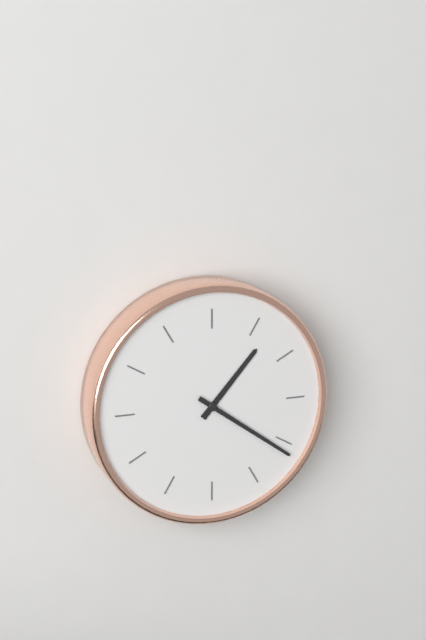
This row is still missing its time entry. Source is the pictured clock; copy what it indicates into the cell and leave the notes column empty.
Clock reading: 1:21
